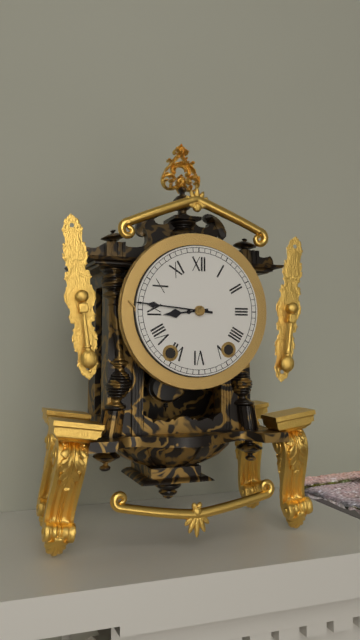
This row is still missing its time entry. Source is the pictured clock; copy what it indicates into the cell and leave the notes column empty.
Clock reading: 8:46
